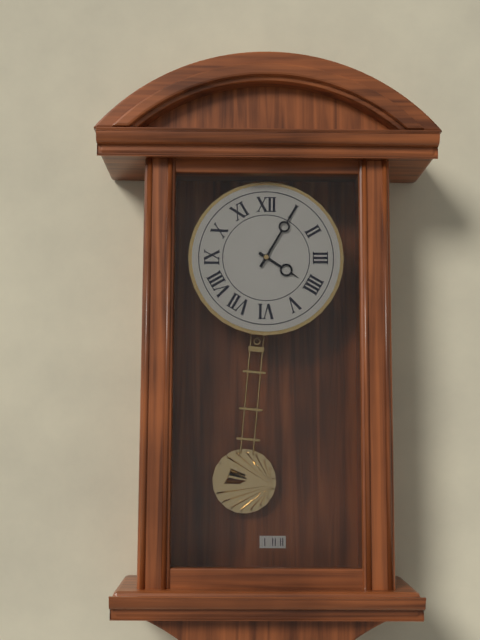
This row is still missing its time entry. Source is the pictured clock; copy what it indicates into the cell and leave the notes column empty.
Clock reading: 4:05
